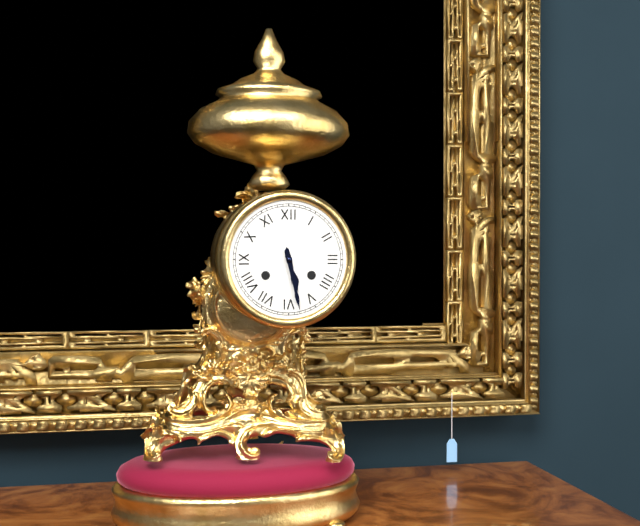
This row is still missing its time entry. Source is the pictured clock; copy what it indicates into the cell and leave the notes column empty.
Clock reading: 5:28
